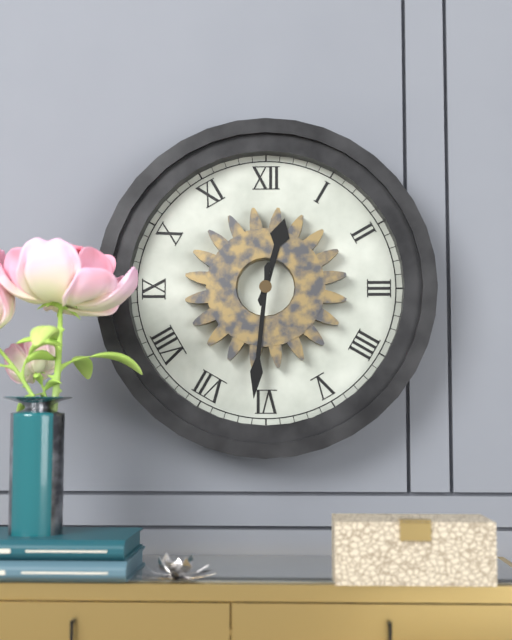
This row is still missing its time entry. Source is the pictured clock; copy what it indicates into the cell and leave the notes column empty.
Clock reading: 12:31
